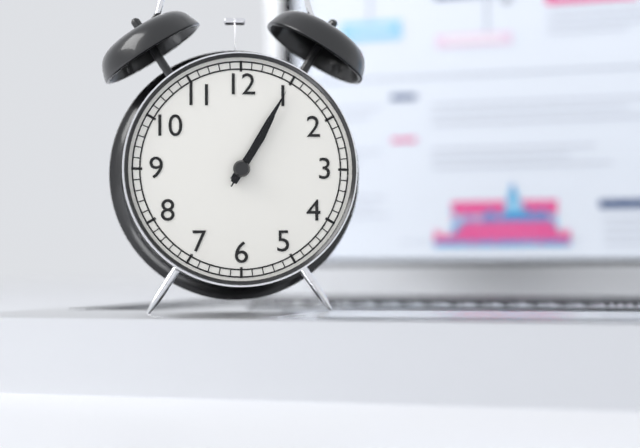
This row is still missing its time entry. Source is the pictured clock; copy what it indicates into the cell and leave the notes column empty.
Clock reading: 1:05:05
